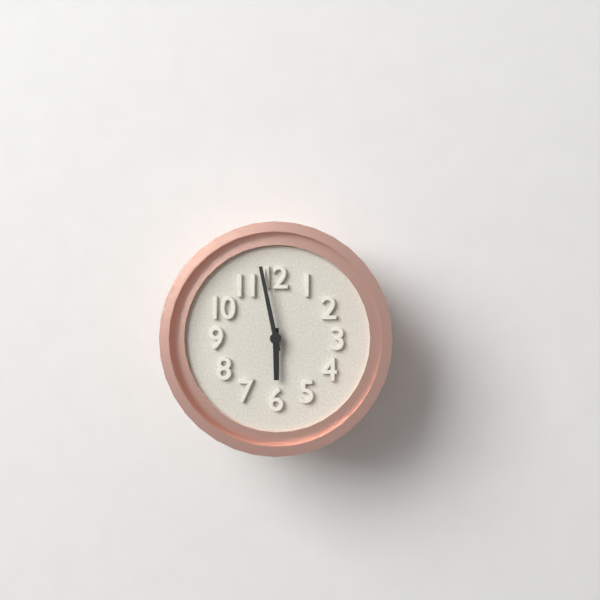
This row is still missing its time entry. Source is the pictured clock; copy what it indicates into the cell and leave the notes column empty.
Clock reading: 5:58
